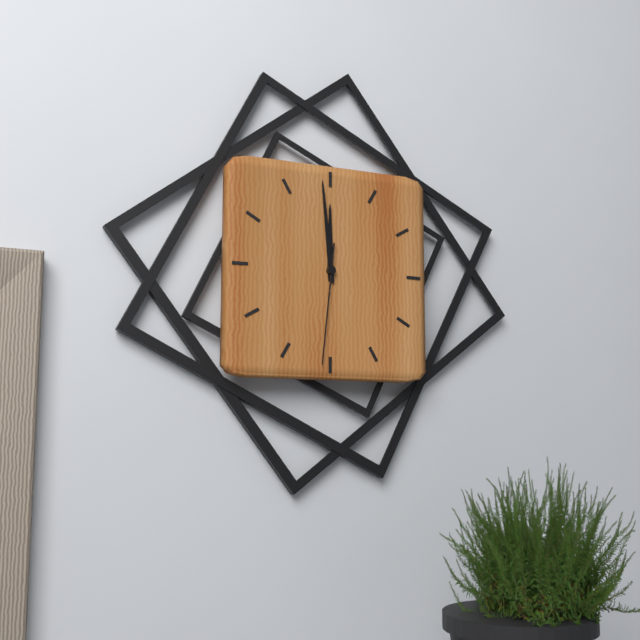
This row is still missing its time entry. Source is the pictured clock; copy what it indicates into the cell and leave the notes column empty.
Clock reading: 11:59:31
